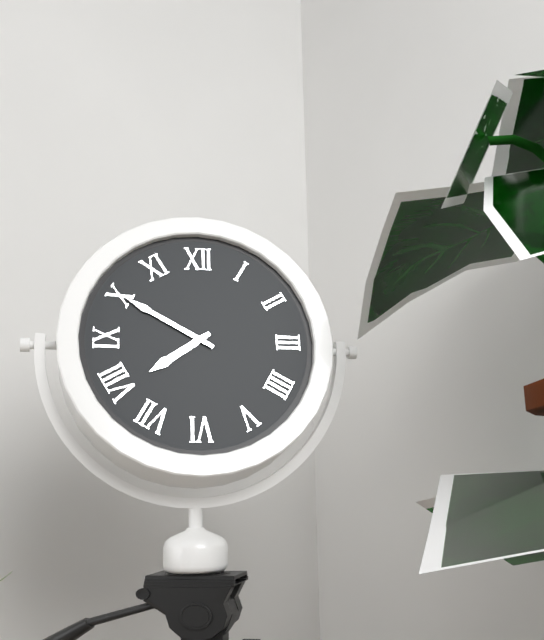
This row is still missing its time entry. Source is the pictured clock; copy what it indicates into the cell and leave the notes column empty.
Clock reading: 7:50
